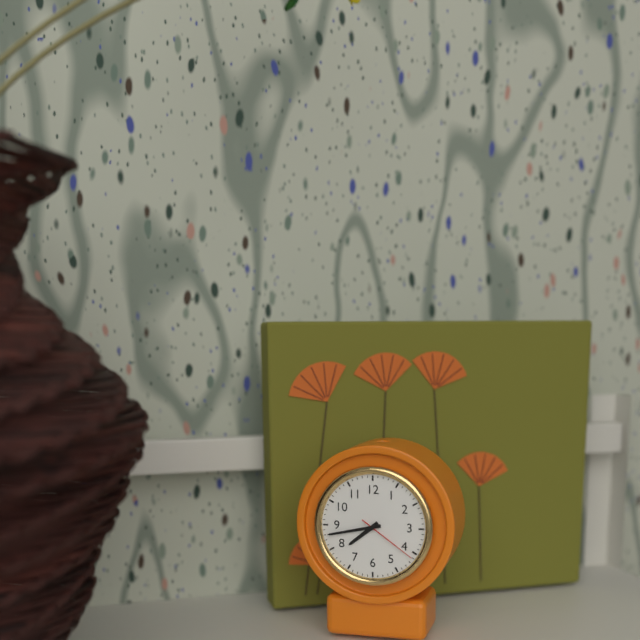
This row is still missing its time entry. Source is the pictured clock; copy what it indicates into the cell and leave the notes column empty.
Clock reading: 7:43:21
